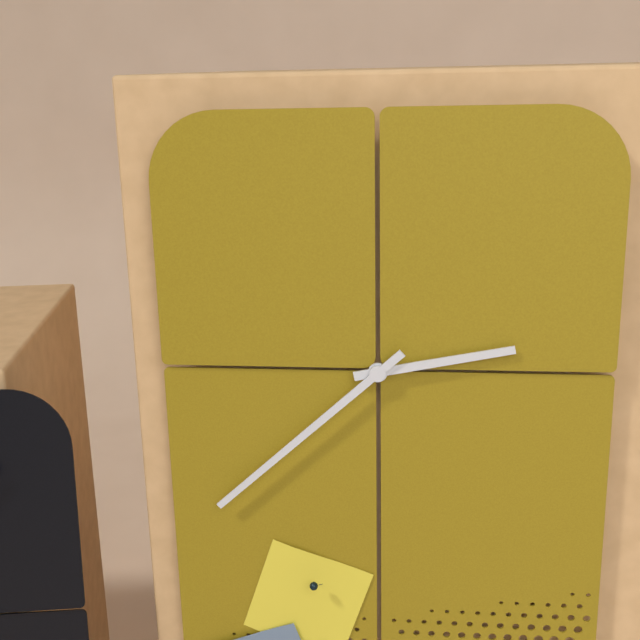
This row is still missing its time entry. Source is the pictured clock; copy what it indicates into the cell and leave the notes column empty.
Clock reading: 2:38
